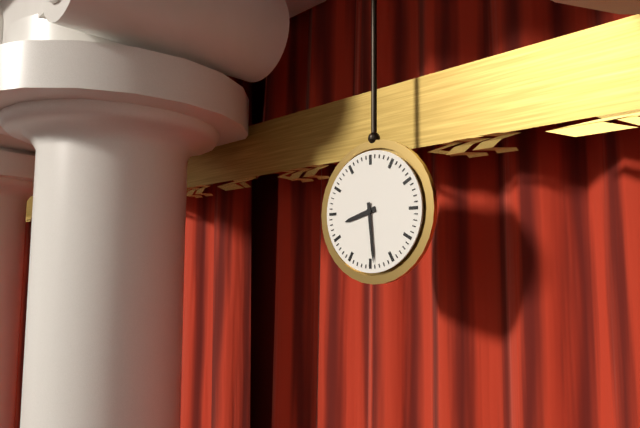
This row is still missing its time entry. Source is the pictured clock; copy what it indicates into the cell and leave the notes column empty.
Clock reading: 8:29
